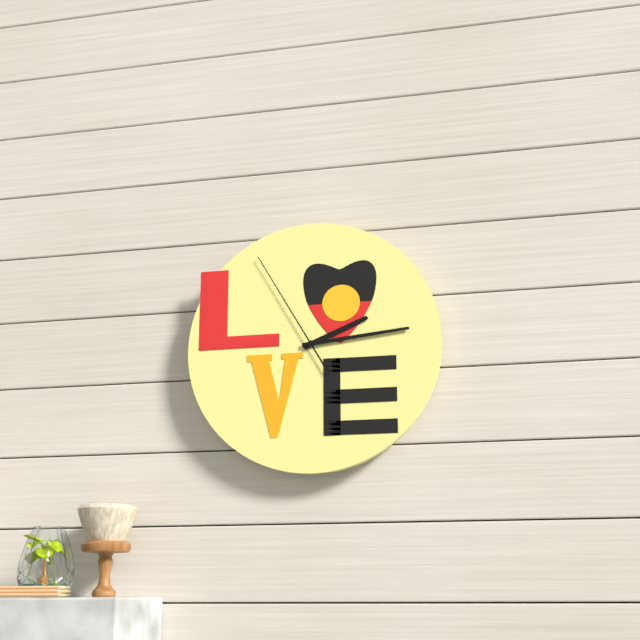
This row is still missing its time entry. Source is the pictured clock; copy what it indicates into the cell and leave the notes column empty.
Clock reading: 2:14:55
